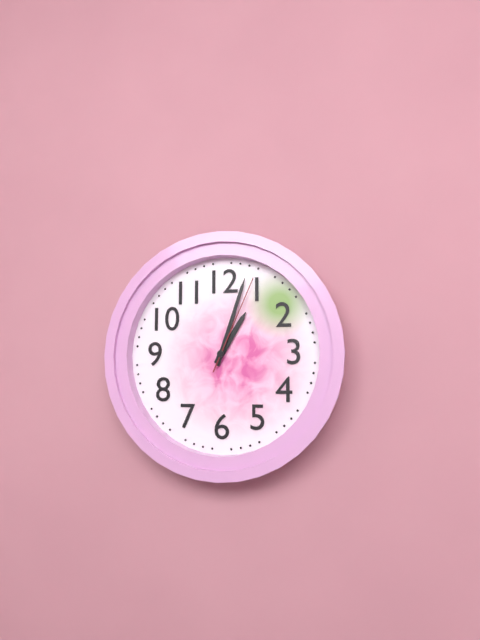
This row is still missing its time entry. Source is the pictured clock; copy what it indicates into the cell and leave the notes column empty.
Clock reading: 1:03:04
